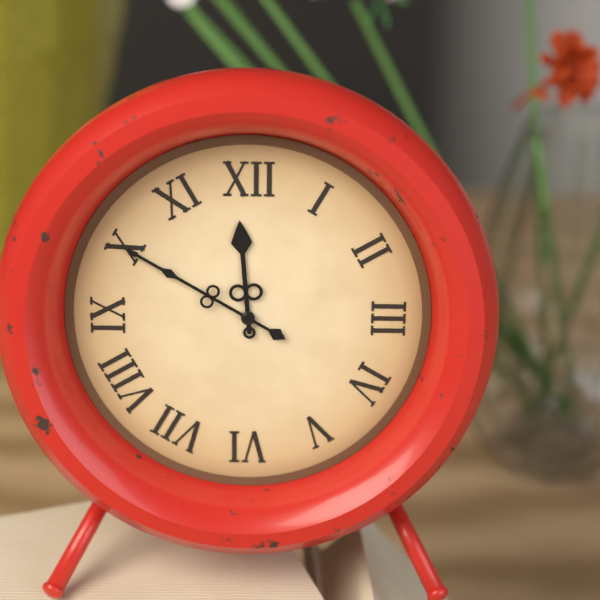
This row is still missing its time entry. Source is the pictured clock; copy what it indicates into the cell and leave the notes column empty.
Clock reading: 11:50
